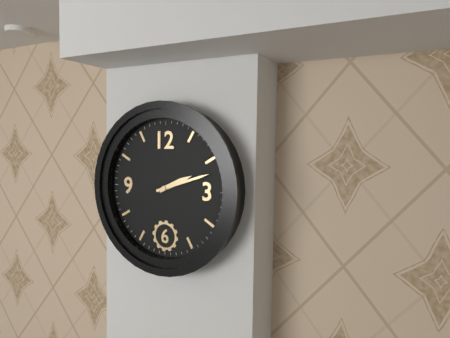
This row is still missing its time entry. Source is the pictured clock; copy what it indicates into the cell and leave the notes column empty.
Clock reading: 2:12
